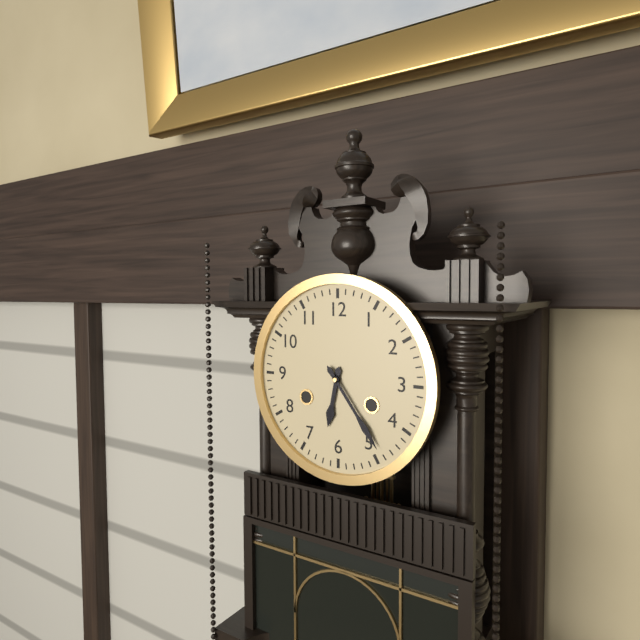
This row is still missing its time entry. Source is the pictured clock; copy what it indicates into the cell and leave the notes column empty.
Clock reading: 6:24
